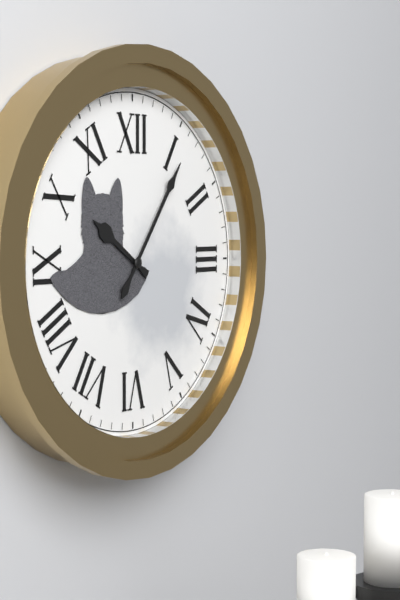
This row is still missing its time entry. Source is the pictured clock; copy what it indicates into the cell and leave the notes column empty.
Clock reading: 10:06
